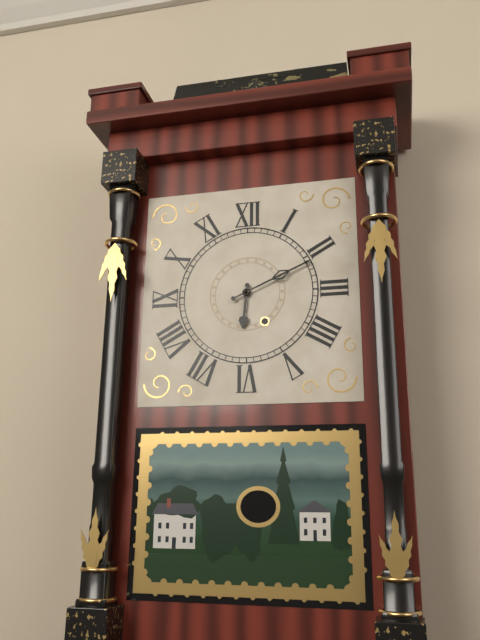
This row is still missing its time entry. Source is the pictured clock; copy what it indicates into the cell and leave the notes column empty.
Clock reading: 6:11
